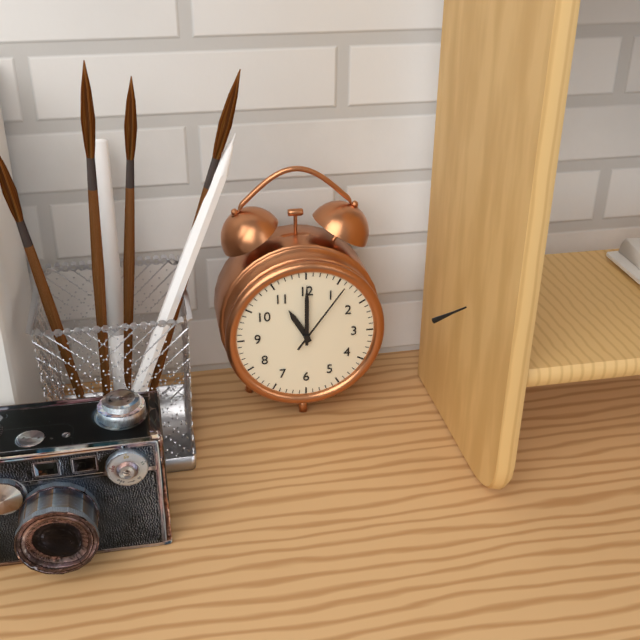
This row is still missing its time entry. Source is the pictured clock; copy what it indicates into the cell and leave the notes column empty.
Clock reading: 11:00:06
